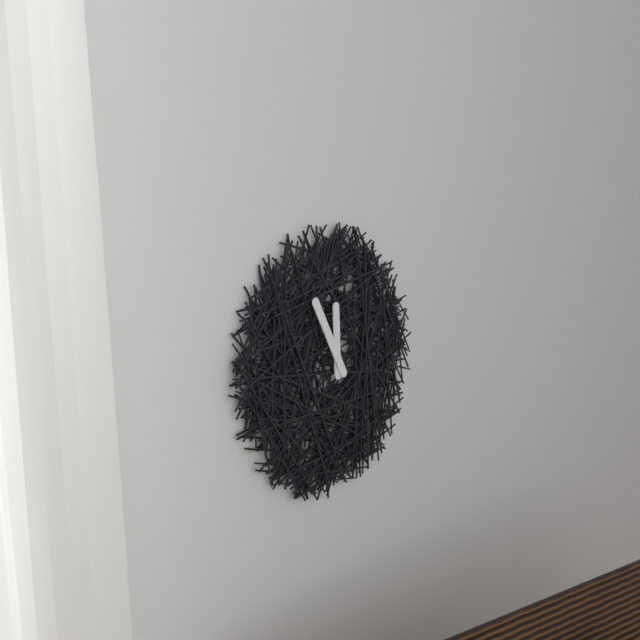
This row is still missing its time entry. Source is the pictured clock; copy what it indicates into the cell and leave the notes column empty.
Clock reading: 11:55
